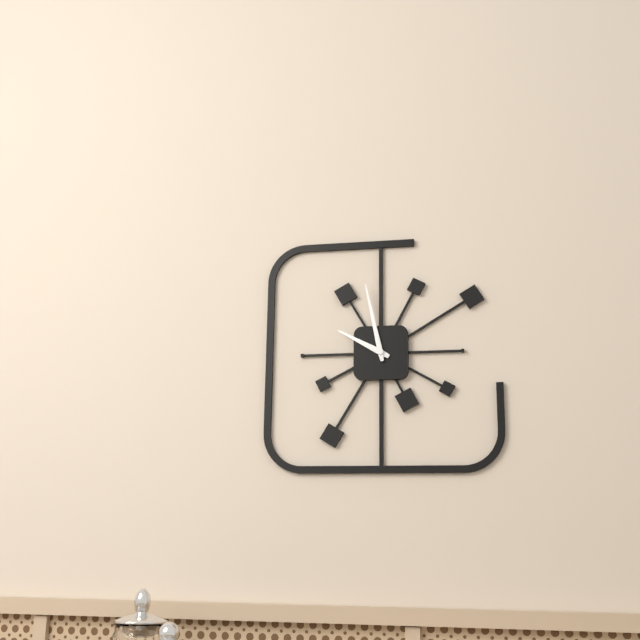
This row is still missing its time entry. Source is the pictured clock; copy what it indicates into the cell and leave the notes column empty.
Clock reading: 9:58
